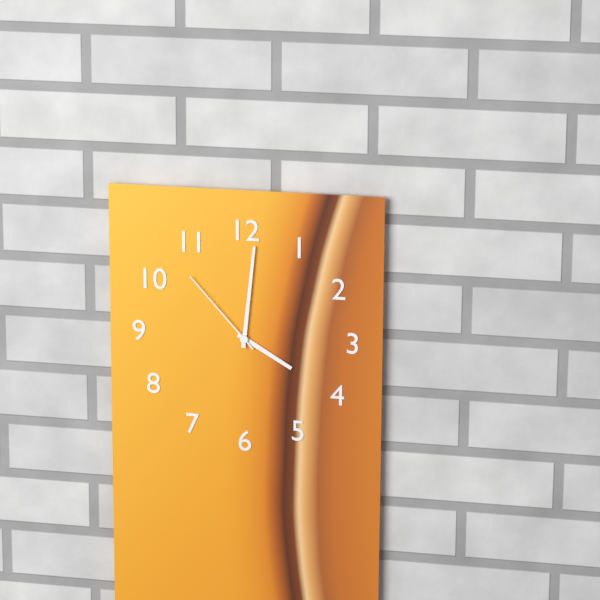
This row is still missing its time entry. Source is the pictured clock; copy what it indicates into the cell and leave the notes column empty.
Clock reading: 4:01:53
